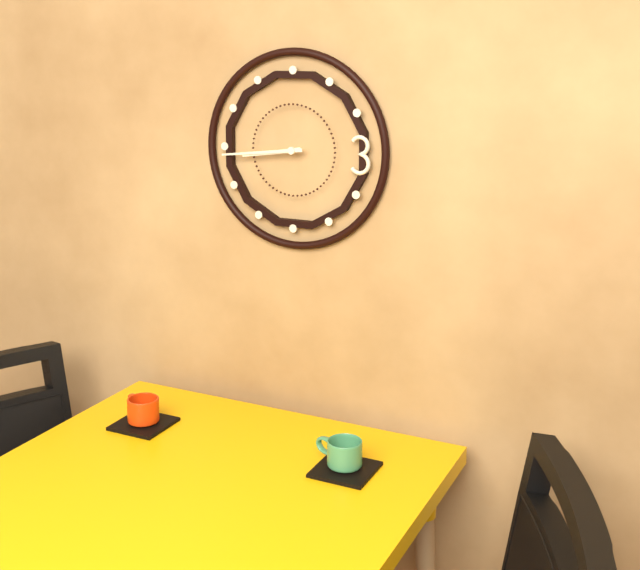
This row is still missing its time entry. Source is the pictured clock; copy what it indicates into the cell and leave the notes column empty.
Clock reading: 8:44
